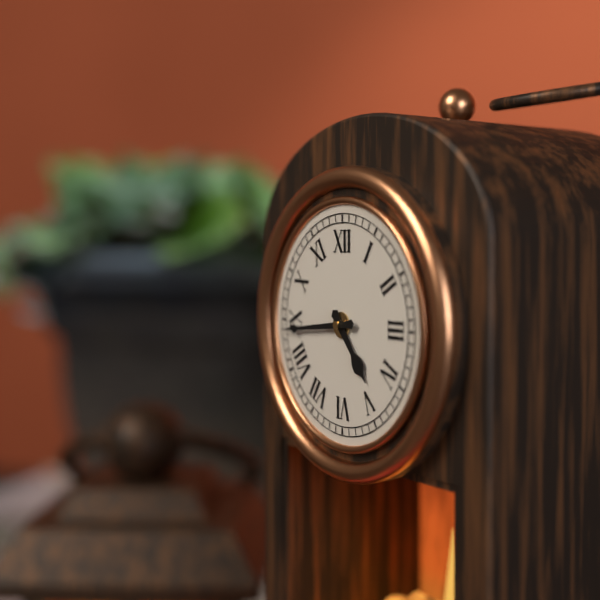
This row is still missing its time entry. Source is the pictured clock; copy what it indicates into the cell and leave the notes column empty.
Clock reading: 4:44
